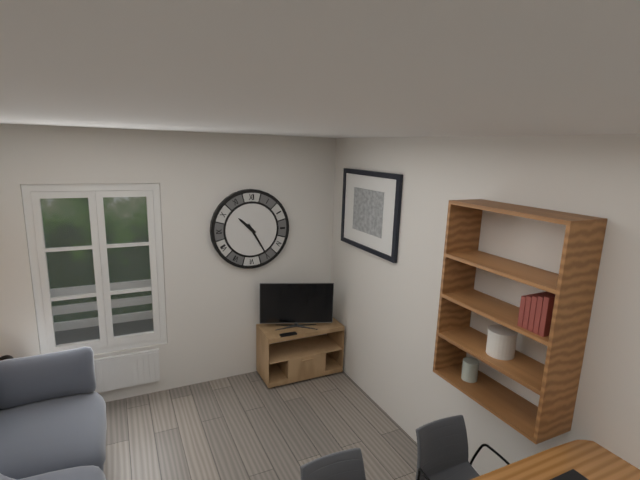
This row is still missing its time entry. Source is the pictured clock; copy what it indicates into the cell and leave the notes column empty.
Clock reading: 10:25
